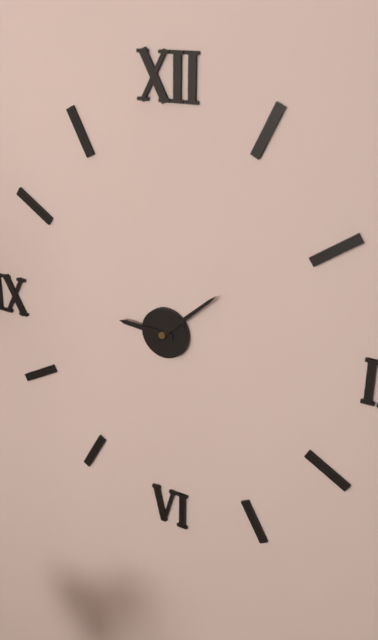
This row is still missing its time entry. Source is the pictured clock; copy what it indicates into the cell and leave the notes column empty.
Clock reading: 9:08
